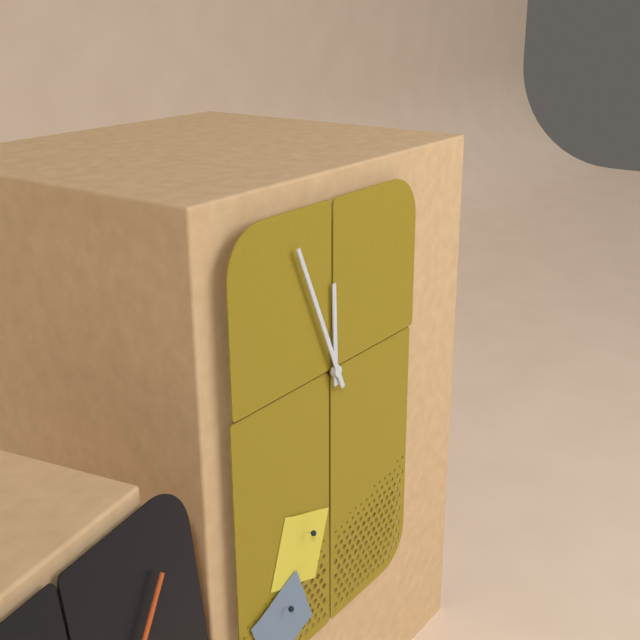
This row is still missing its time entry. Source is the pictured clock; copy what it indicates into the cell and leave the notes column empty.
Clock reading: 11:56
